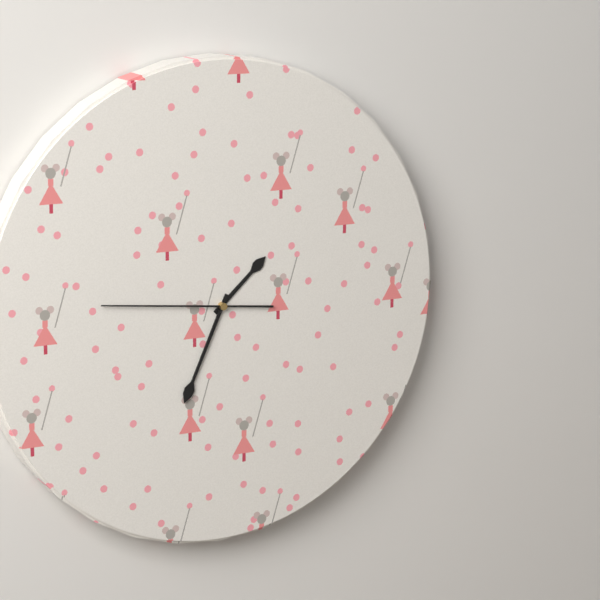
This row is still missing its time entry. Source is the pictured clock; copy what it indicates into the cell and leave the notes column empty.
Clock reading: 1:34:46
